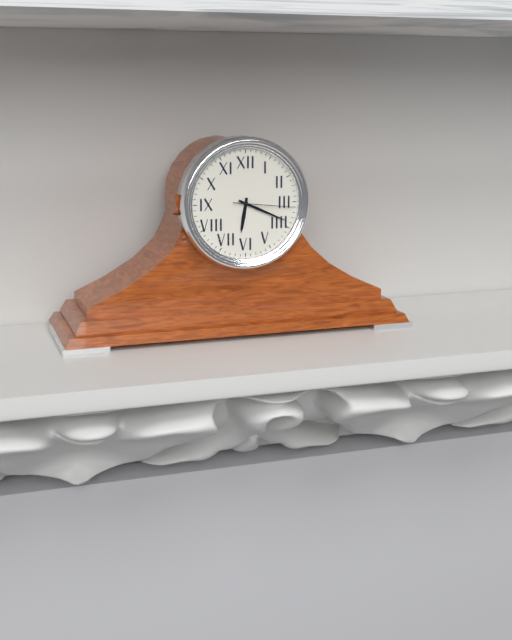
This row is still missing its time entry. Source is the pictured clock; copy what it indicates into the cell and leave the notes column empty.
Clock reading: 6:19:16
